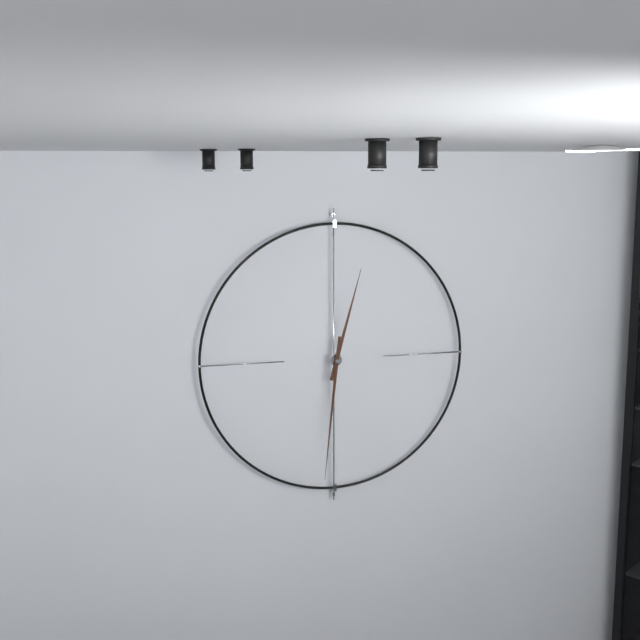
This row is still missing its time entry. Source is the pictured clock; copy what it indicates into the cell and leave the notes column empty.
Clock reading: 12:31
